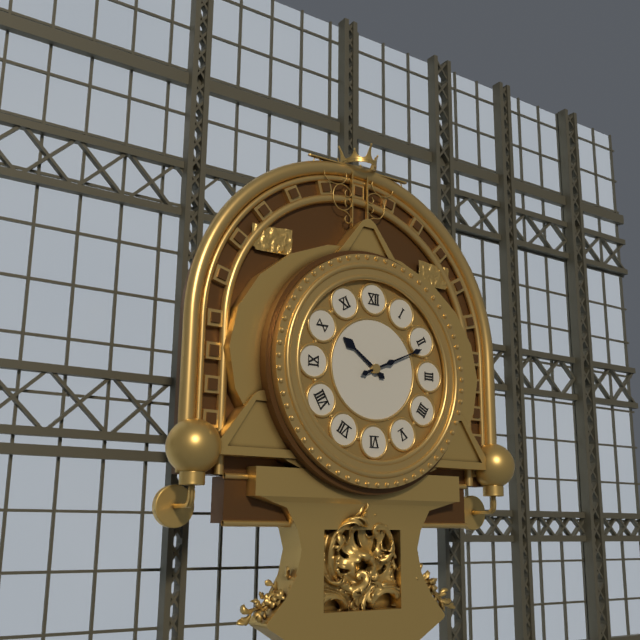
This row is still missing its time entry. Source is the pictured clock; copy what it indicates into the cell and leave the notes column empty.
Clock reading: 10:11
